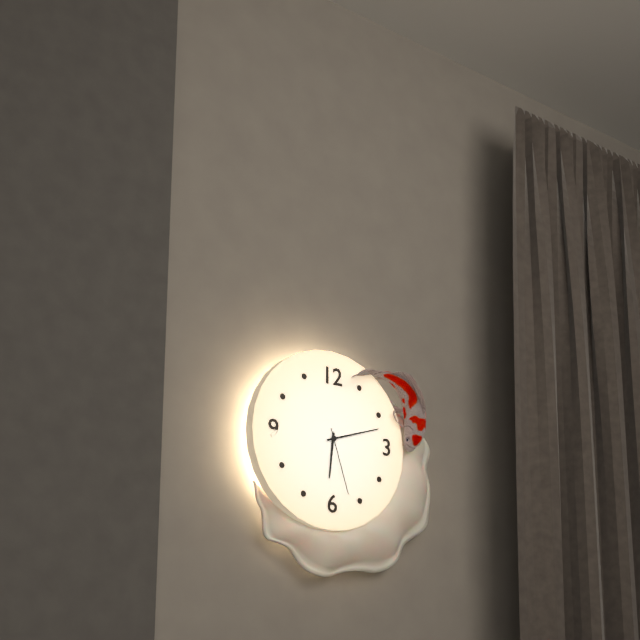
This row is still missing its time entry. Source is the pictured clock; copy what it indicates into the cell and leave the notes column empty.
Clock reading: 6:12:27
